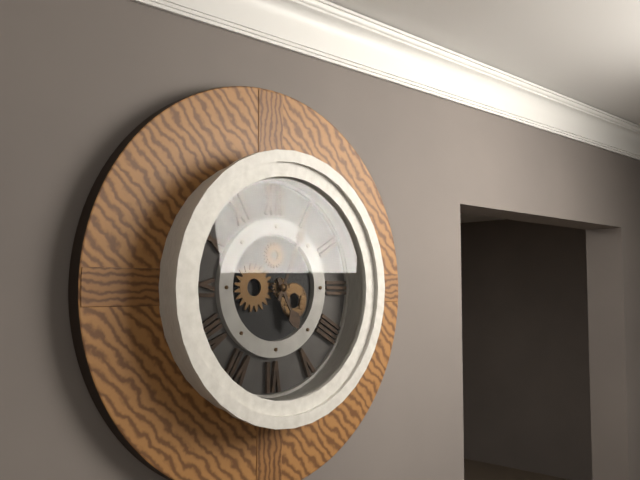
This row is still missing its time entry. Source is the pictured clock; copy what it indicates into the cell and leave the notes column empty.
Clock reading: 5:04
